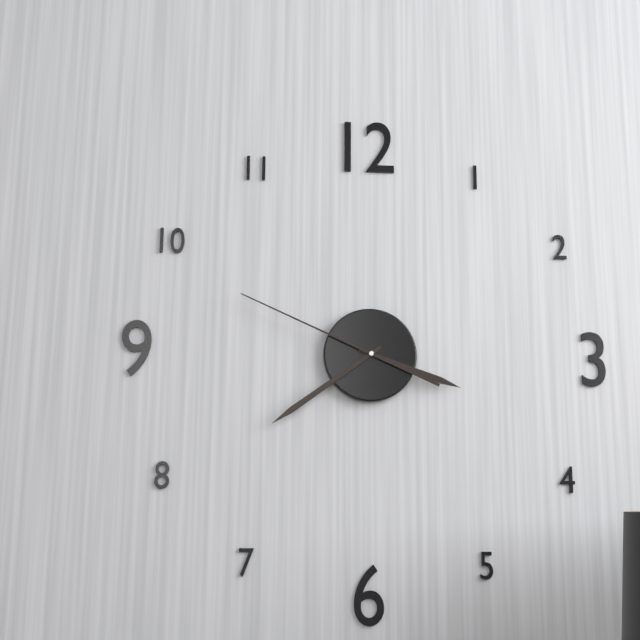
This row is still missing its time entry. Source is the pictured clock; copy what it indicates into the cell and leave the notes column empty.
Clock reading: 3:39:49
